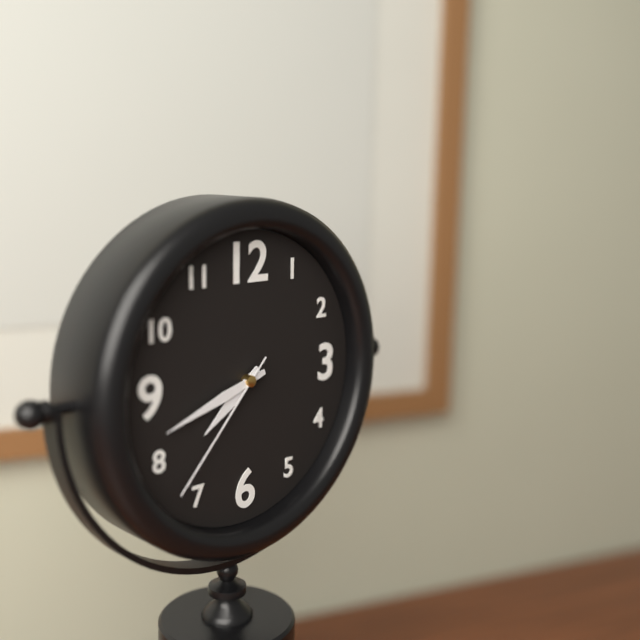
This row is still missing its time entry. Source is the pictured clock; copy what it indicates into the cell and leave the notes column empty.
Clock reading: 7:42:37
